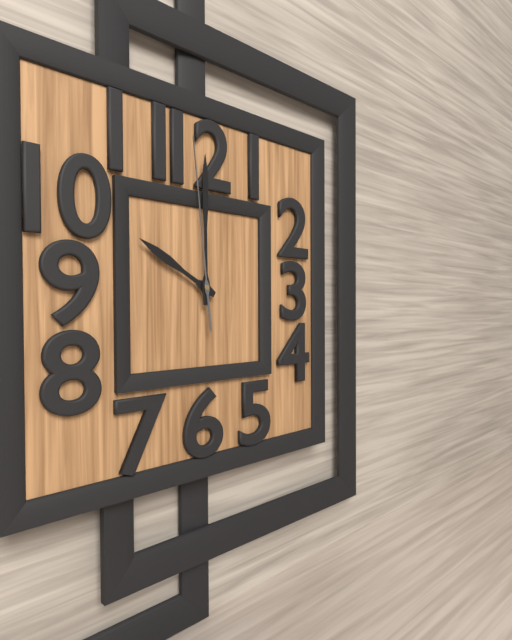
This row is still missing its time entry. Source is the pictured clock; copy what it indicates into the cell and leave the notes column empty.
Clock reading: 10:00:59
